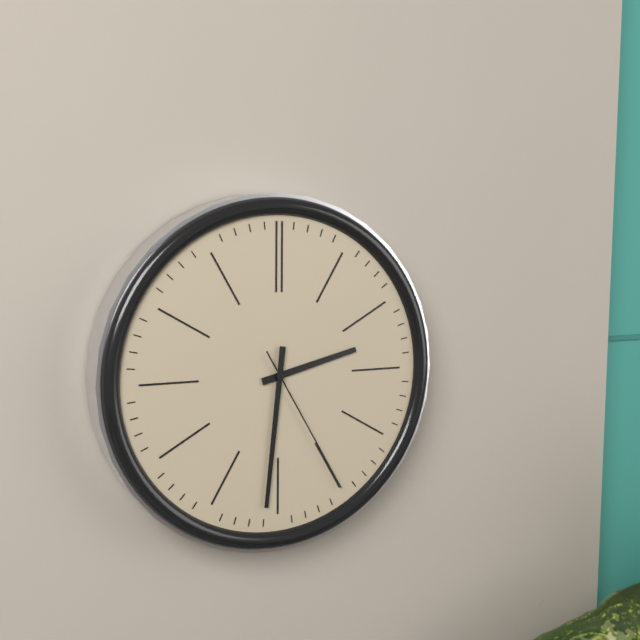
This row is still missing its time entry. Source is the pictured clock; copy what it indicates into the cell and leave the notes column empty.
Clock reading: 2:31:25
